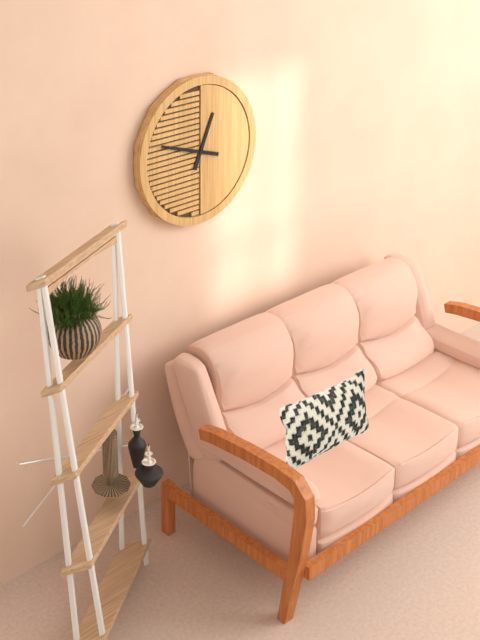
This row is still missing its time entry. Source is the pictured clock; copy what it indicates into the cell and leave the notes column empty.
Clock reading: 12:48
